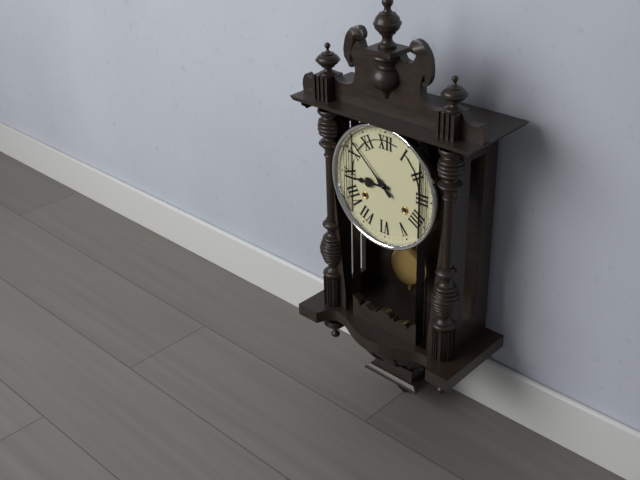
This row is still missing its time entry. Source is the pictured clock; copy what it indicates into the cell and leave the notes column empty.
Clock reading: 8:52
